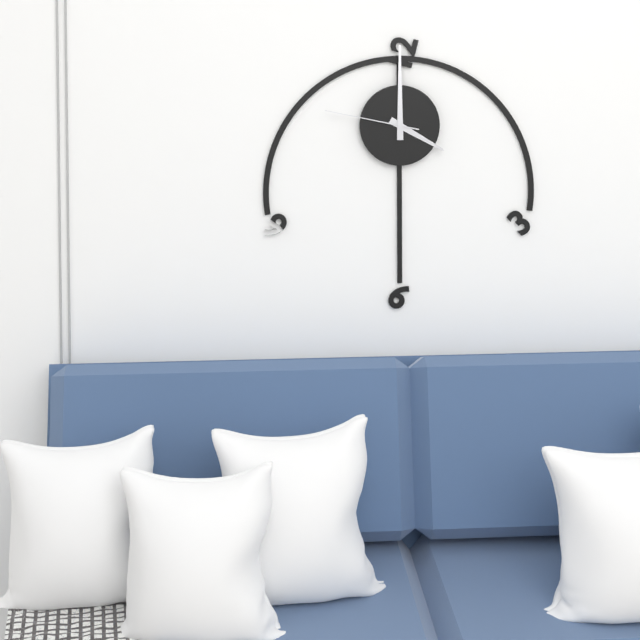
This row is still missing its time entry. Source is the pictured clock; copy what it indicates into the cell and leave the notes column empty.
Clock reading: 4:00:47
